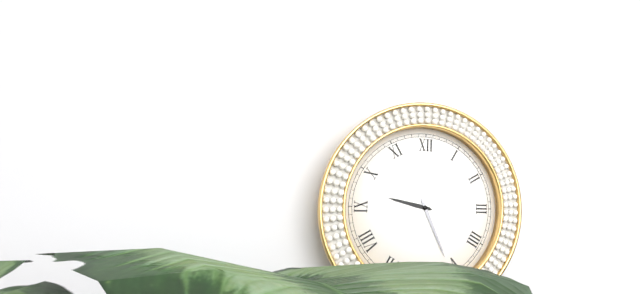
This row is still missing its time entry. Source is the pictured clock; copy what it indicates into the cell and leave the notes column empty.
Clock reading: 9:26
